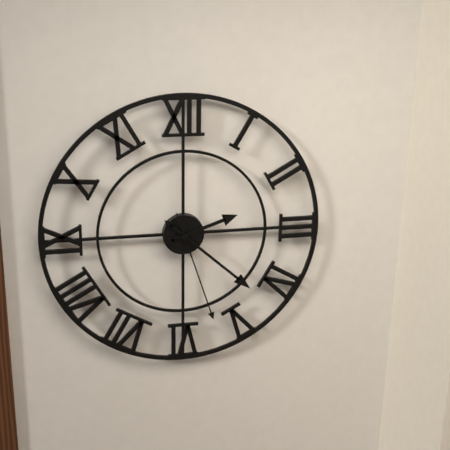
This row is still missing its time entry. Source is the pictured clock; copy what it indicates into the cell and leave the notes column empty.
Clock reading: 2:22:27
